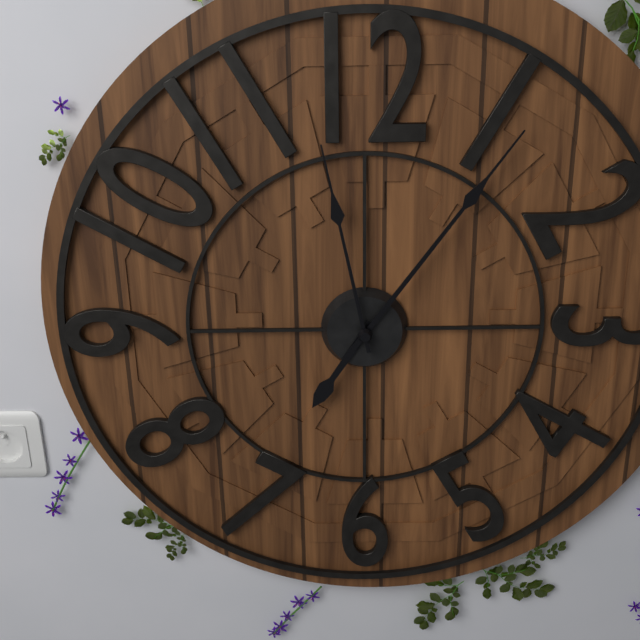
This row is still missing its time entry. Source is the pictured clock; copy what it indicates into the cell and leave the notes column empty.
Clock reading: 7:06:58
